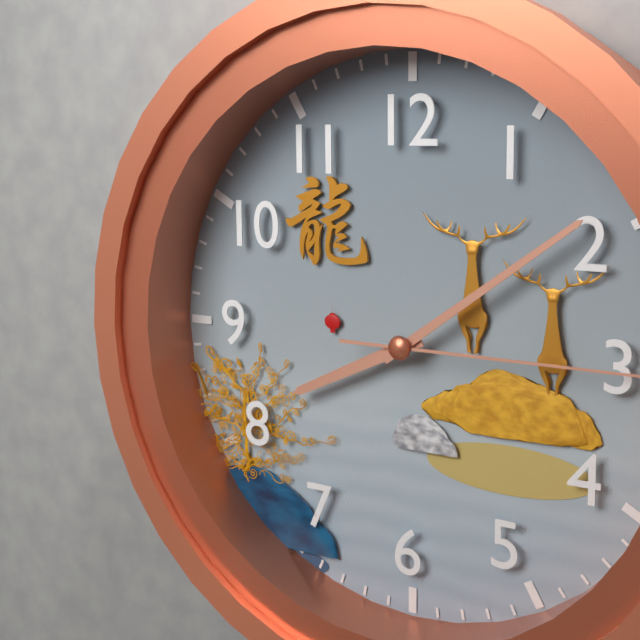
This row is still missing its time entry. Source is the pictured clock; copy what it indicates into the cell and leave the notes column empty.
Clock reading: 8:09
